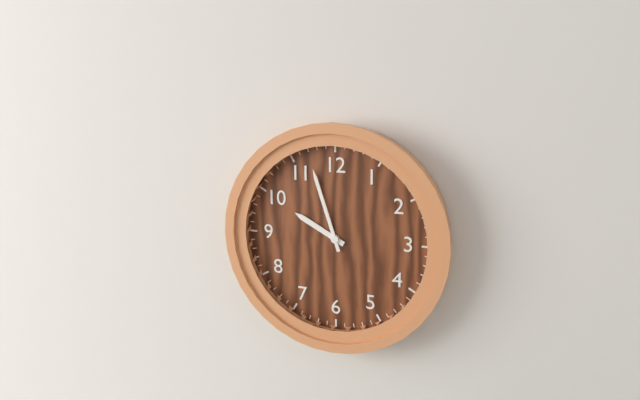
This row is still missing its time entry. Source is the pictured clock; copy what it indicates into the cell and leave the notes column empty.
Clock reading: 9:57
